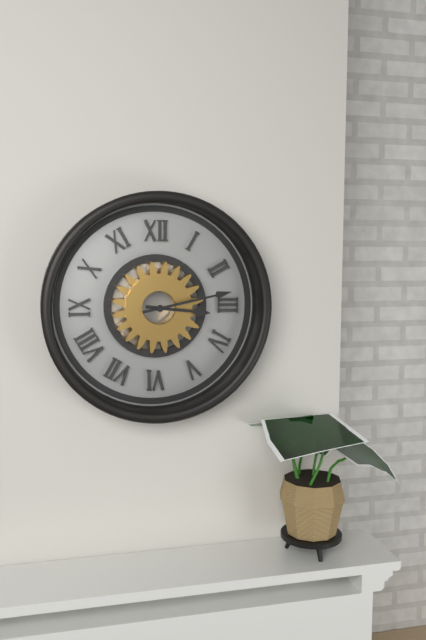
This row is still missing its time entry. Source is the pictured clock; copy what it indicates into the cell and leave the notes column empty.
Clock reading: 3:13
